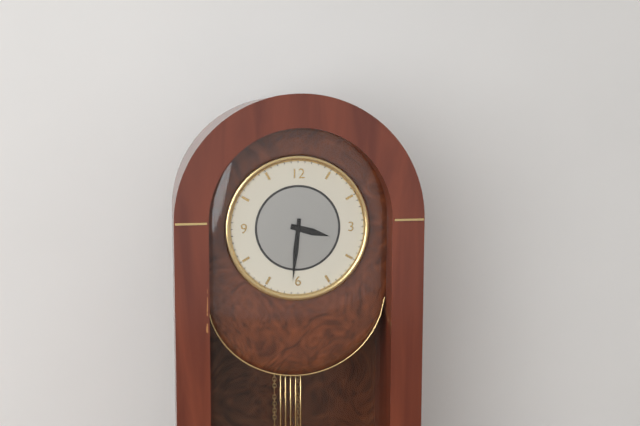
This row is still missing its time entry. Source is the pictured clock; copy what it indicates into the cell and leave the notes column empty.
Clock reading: 3:31
